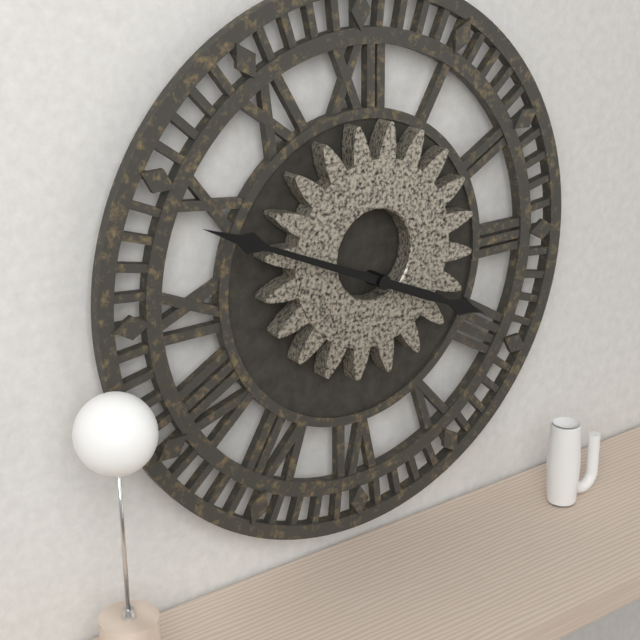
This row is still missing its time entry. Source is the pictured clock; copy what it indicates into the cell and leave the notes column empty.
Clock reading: 3:49
